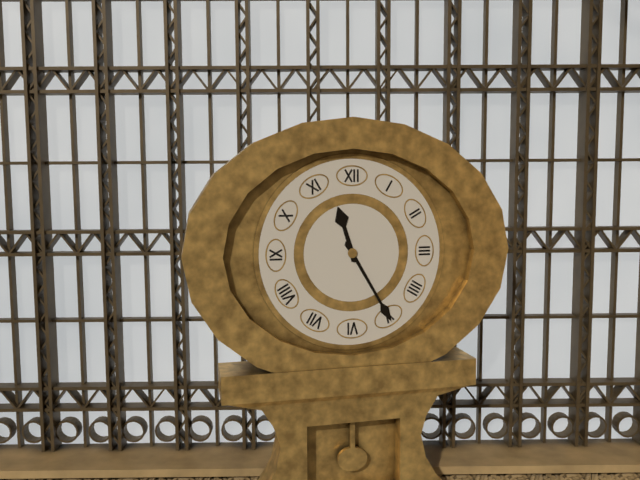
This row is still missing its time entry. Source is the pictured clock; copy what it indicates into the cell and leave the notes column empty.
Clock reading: 11:25
